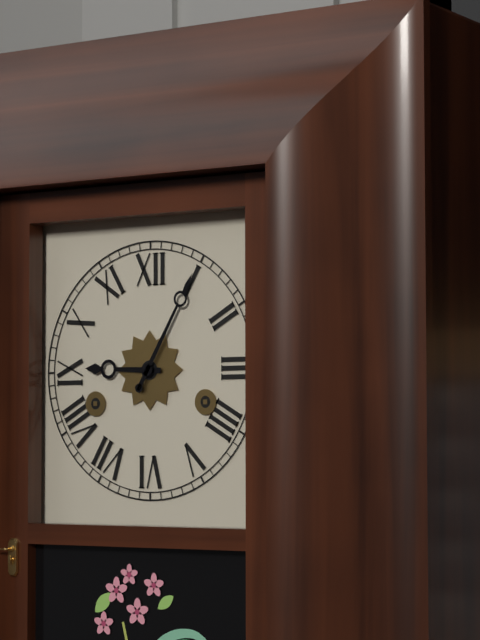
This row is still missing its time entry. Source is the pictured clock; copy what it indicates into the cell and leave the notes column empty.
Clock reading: 9:05
